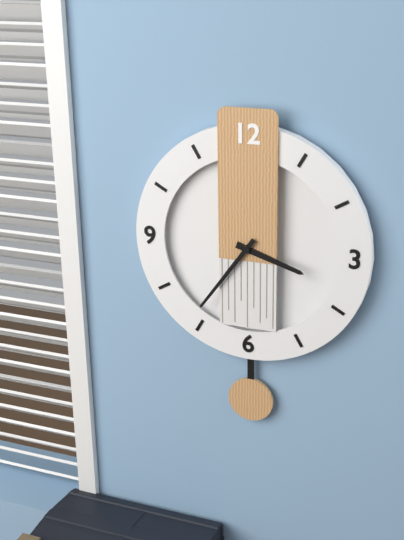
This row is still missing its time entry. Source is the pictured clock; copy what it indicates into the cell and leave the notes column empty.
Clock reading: 3:36
